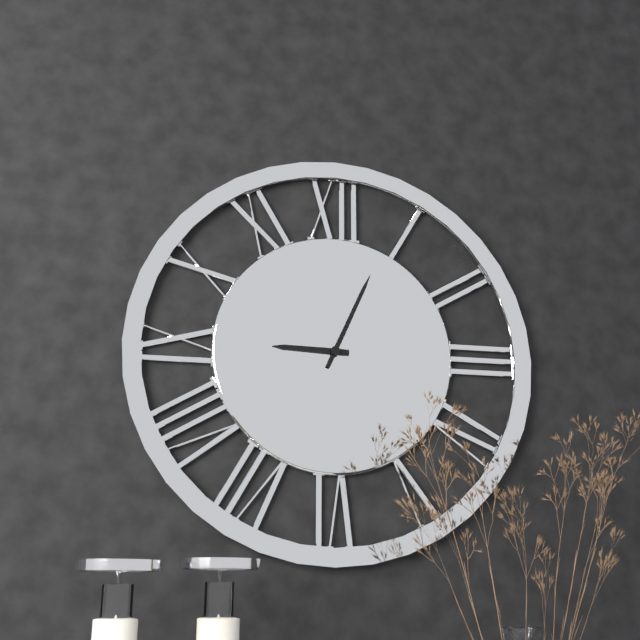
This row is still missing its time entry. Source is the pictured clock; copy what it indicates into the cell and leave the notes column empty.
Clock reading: 9:04
